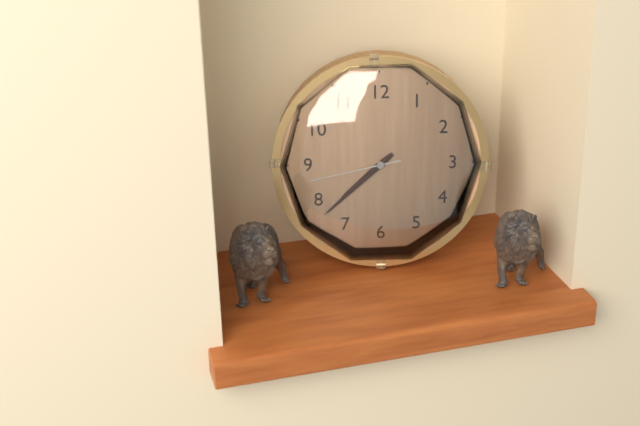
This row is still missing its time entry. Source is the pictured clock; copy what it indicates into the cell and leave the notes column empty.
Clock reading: 7:38:43
